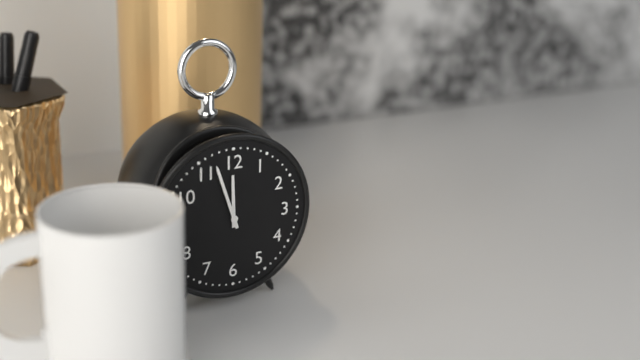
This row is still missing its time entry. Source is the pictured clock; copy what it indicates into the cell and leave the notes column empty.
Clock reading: 11:57
